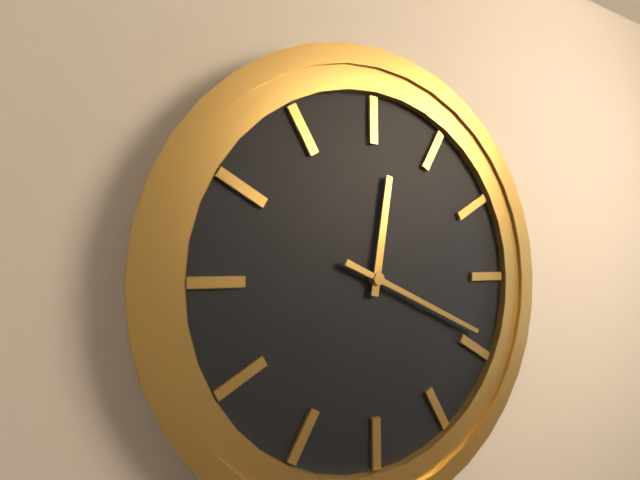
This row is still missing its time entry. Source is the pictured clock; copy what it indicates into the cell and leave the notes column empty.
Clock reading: 12:19
